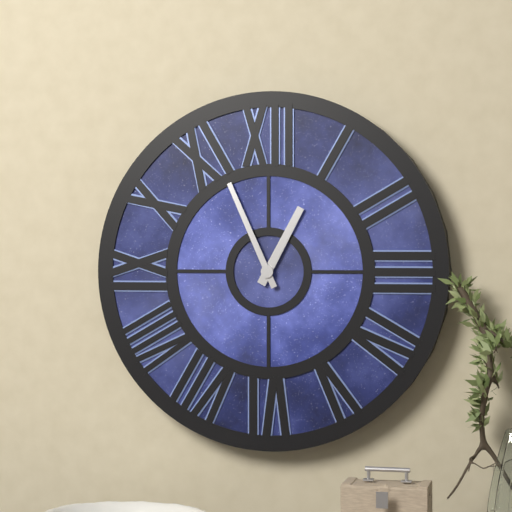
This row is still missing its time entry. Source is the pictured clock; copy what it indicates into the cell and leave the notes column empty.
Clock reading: 12:56
